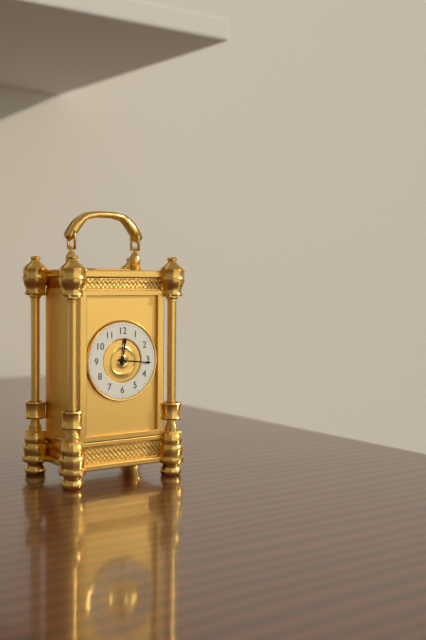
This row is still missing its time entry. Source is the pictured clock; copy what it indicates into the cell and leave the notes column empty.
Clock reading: 12:16
